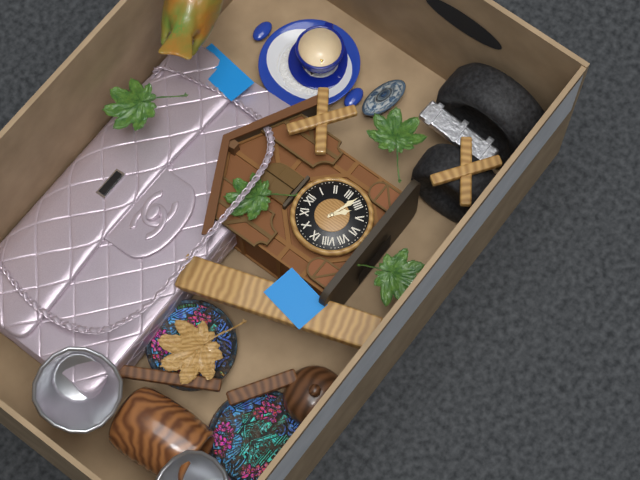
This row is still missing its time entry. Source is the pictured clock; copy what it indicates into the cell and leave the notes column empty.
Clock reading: 4:18
